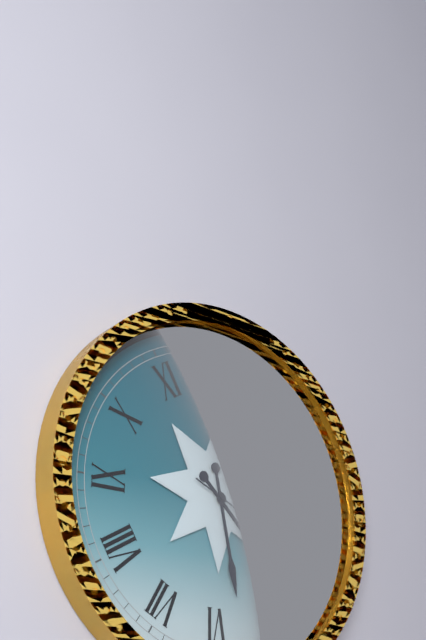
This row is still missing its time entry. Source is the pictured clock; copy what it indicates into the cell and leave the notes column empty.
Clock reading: 4:28:19
